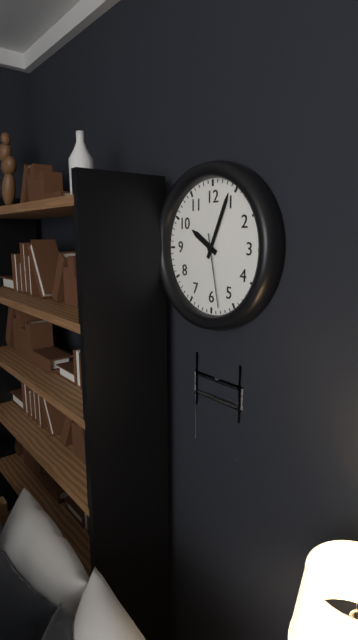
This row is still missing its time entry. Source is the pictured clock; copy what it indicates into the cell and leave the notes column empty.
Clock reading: 10:04:28
